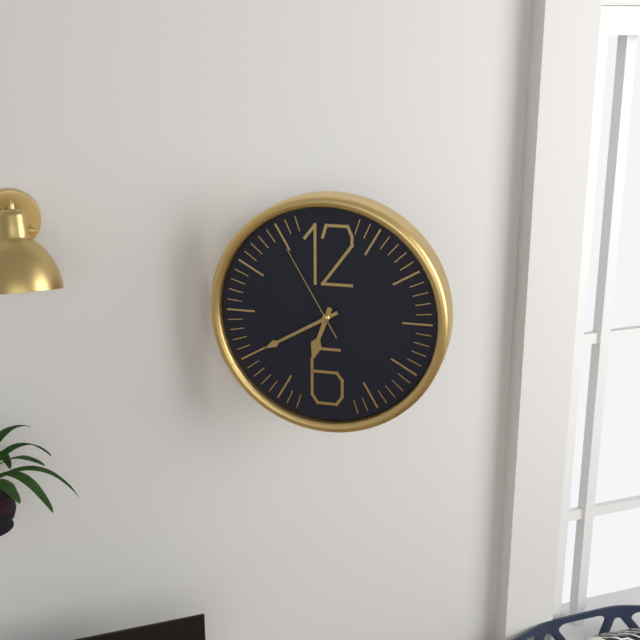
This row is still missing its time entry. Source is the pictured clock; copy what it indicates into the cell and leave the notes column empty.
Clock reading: 6:40:55
